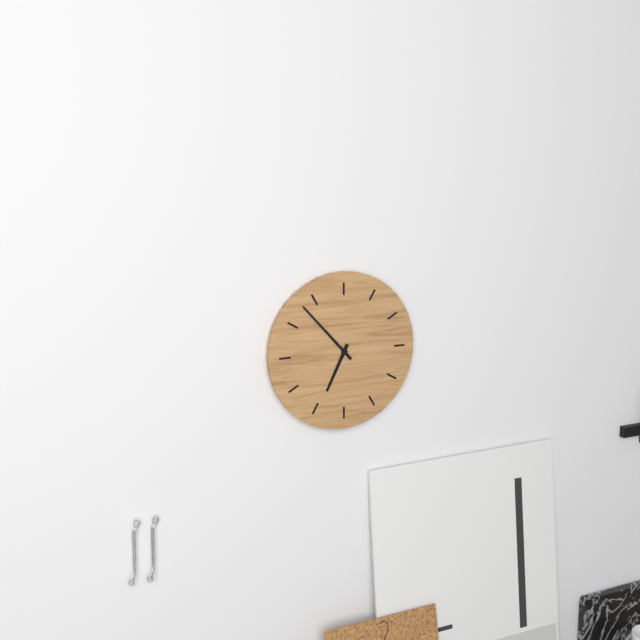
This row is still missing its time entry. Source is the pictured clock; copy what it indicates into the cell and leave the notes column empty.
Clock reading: 6:53
